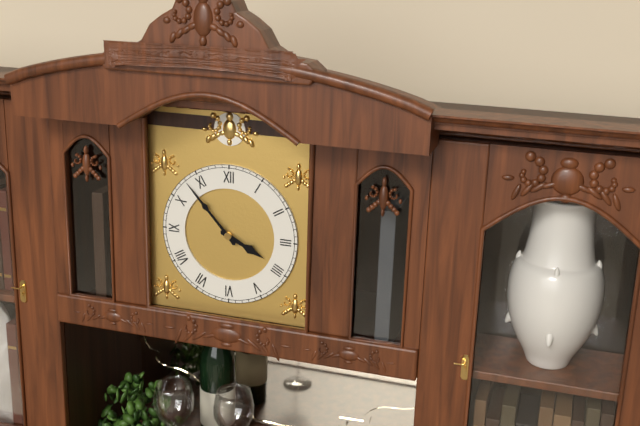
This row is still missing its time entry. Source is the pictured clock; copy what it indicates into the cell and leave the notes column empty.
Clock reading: 3:53
